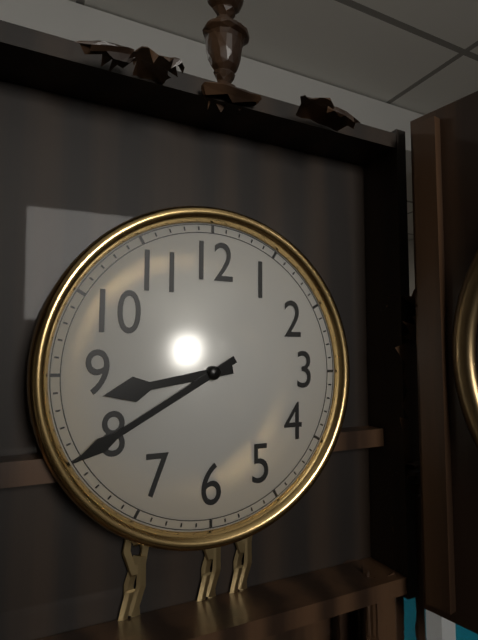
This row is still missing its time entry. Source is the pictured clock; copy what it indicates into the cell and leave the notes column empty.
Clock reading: 8:40
